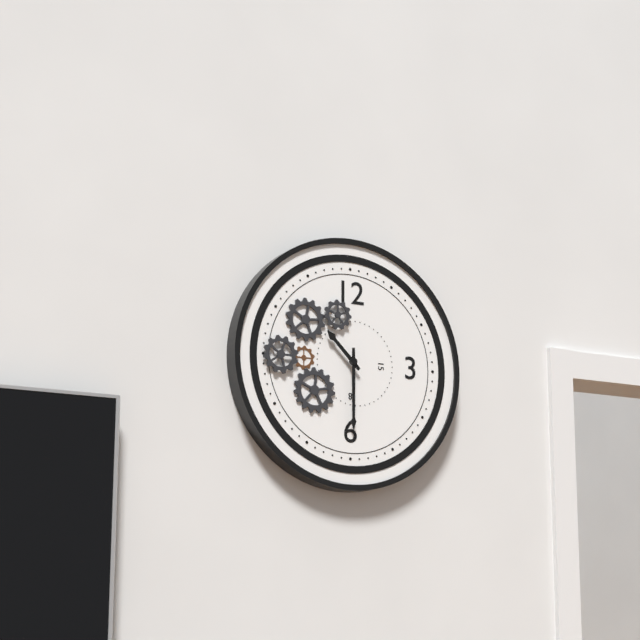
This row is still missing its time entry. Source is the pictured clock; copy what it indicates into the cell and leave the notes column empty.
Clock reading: 10:30
